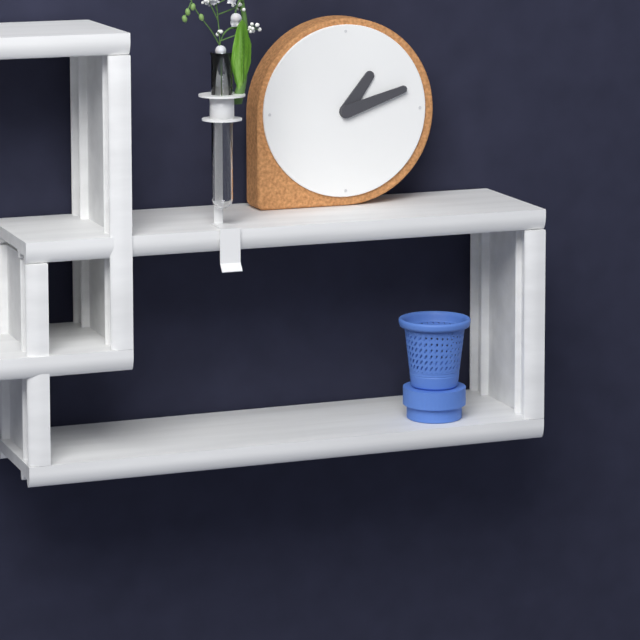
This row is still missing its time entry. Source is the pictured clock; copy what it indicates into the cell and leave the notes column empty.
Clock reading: 1:12
